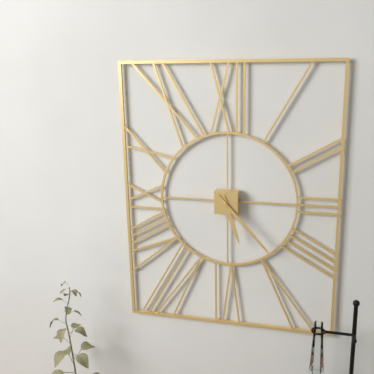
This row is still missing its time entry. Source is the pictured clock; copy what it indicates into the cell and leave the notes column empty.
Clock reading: 5:23
